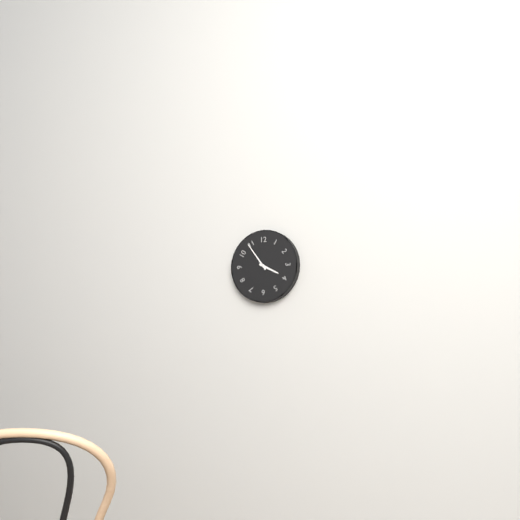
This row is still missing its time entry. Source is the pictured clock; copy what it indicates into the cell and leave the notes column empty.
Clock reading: 3:54
